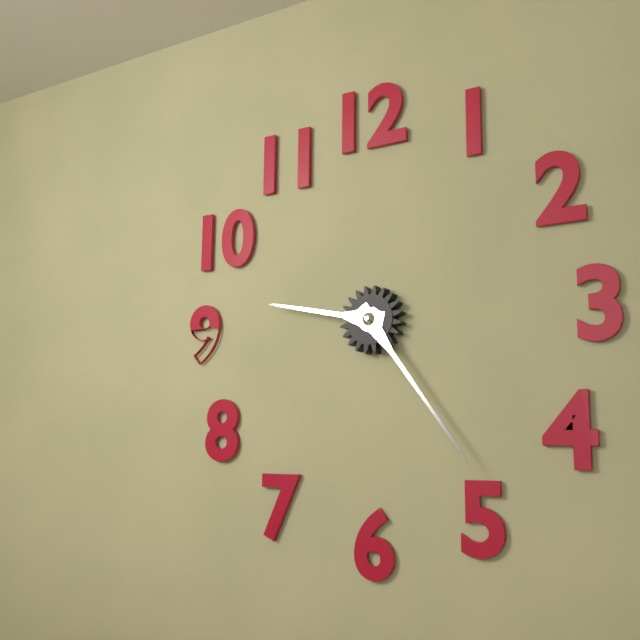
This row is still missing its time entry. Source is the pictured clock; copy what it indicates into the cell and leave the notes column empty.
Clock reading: 9:24
